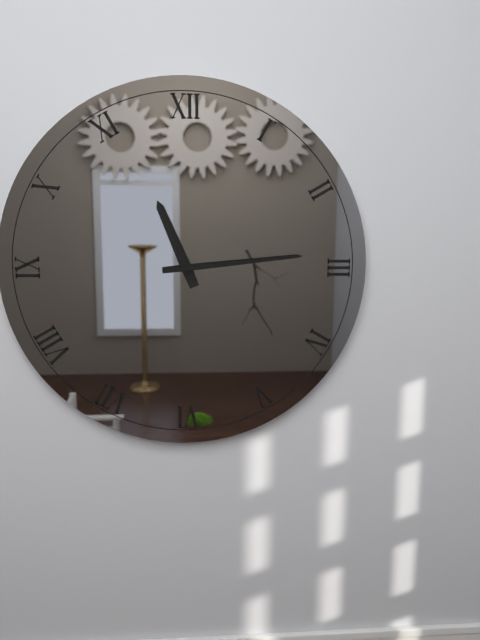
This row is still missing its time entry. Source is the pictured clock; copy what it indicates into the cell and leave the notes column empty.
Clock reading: 11:14
